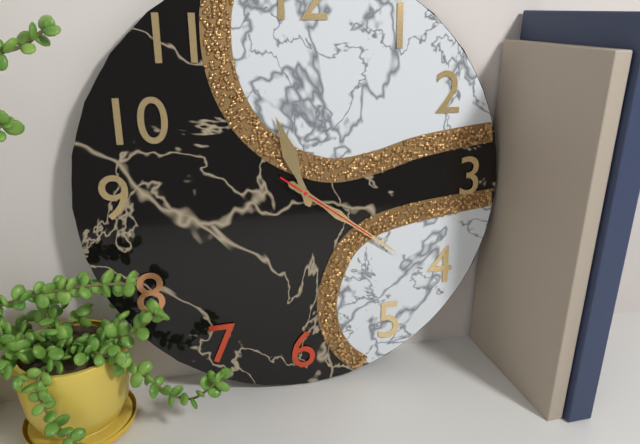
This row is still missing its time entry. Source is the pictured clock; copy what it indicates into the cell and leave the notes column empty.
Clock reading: 11:21:21
